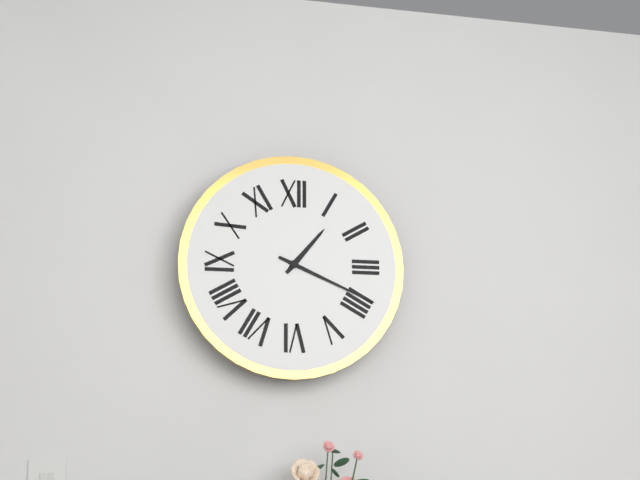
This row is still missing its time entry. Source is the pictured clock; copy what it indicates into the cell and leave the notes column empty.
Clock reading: 1:19
